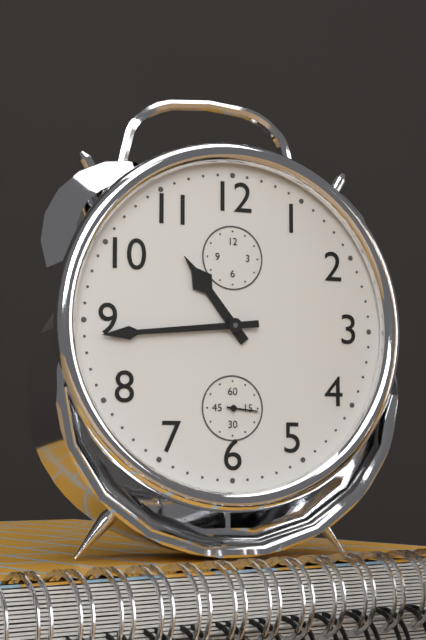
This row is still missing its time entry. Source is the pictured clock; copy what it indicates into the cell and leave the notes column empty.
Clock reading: 10:44
